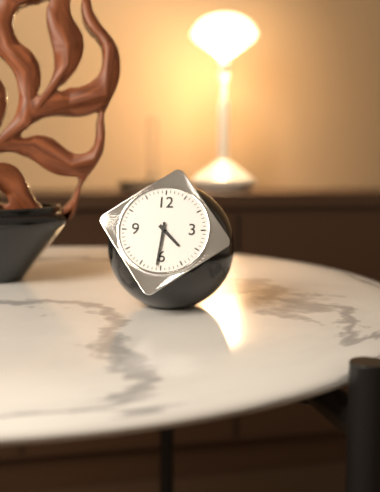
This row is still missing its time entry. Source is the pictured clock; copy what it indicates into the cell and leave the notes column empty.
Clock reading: 4:31
